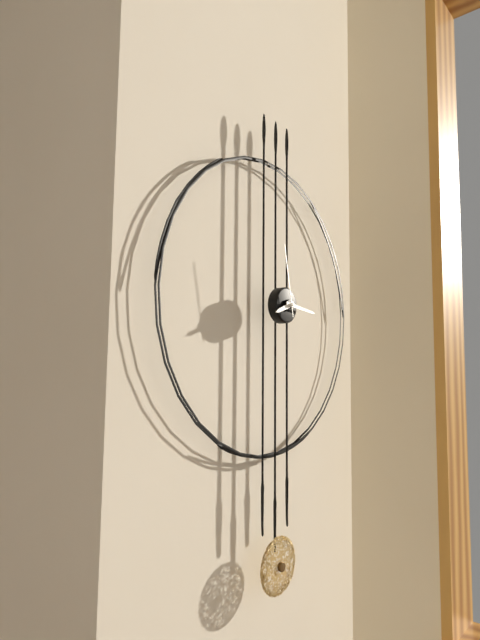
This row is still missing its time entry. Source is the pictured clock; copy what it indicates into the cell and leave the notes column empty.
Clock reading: 8:16:58
